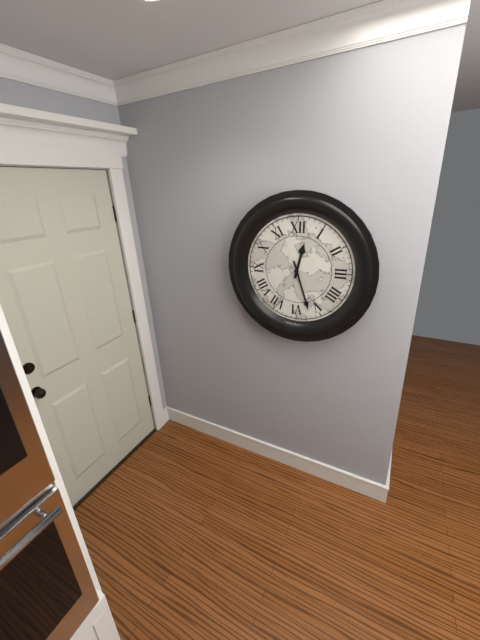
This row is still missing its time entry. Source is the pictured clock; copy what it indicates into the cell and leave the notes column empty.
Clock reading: 12:27
